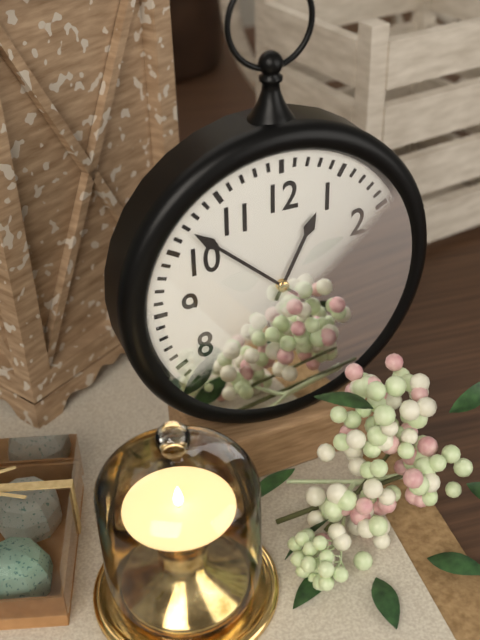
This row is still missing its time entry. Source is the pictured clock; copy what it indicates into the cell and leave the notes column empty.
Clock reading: 12:52
